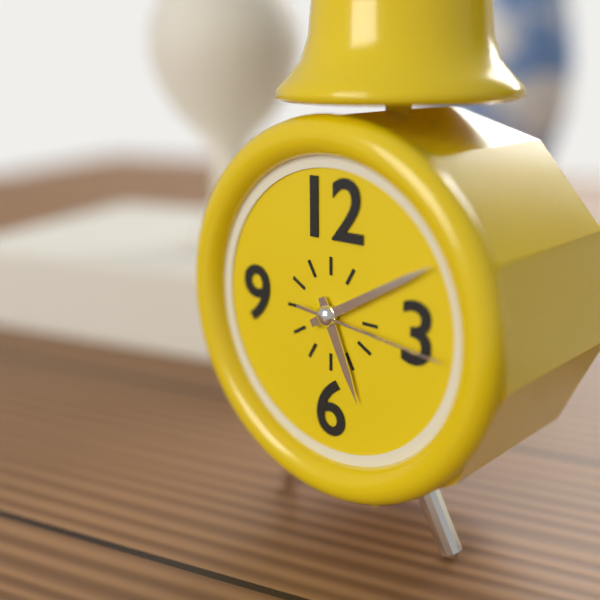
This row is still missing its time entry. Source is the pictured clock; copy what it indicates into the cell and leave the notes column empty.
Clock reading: 5:10:16
